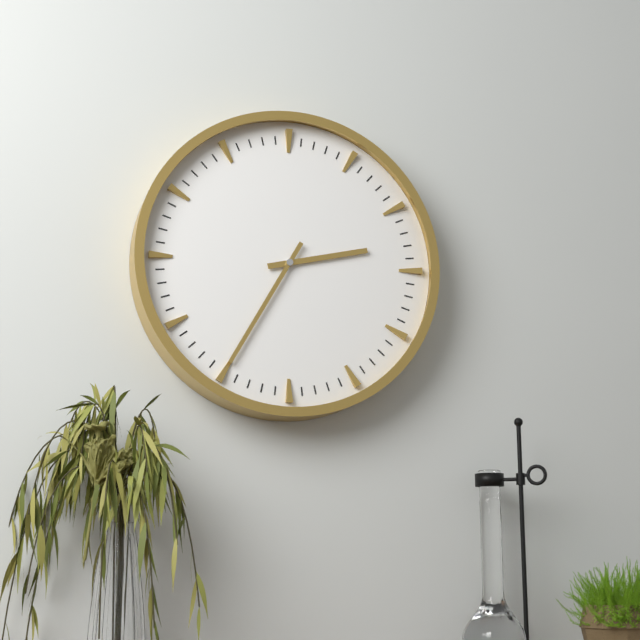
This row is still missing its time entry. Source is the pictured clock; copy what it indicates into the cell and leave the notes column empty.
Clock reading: 2:35
